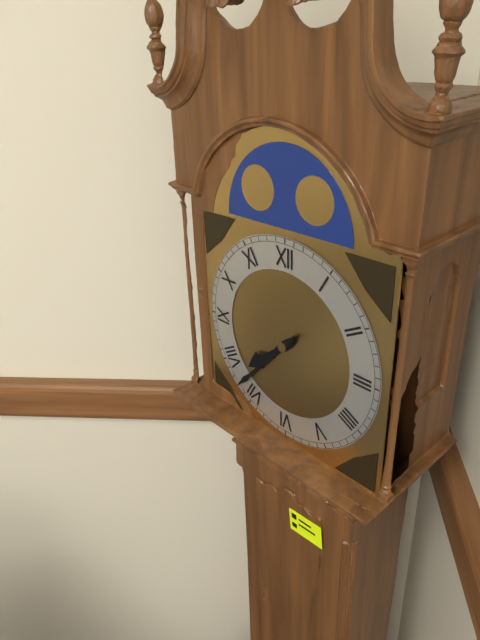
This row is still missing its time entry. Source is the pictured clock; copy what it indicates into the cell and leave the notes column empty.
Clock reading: 7:37
